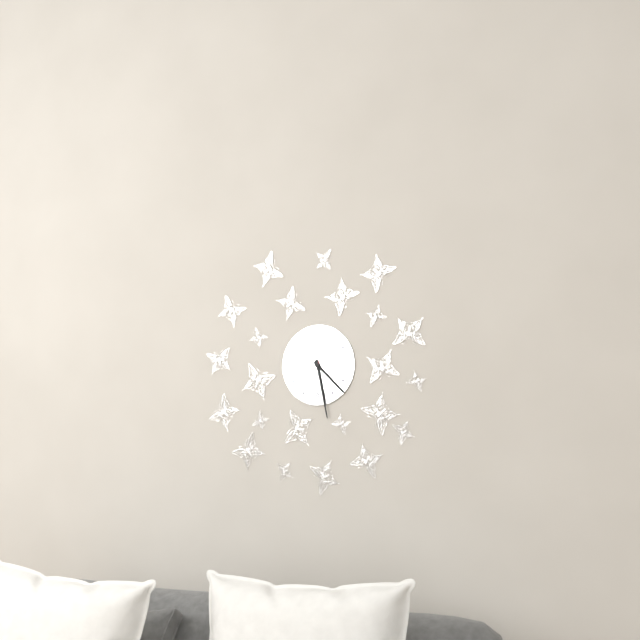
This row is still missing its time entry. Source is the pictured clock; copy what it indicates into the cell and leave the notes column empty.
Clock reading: 4:28
